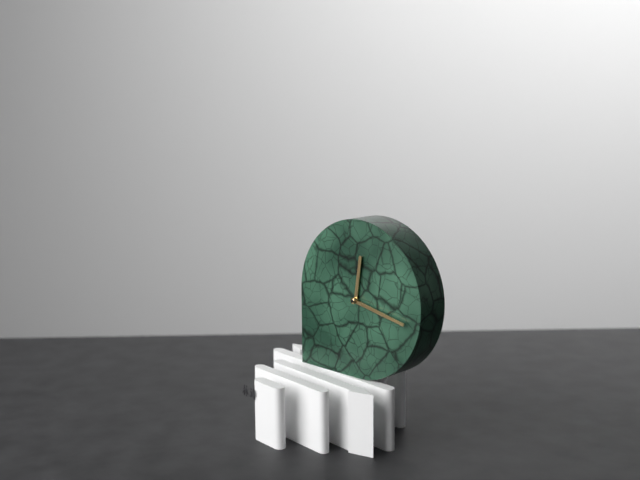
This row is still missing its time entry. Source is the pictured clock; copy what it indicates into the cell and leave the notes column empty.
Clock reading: 12:17
